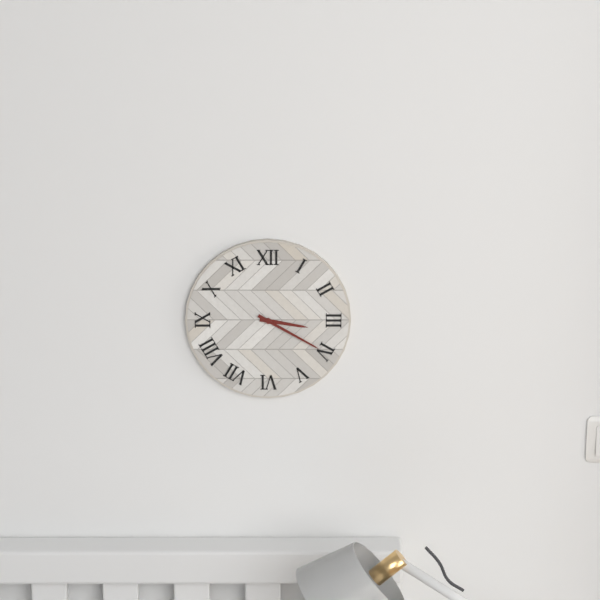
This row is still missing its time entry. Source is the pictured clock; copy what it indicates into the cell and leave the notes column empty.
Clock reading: 3:20
